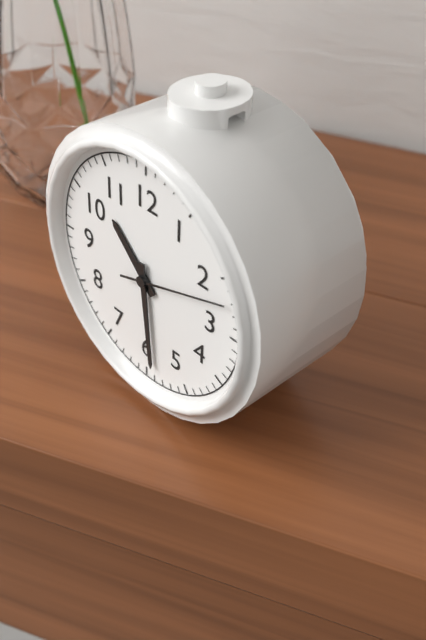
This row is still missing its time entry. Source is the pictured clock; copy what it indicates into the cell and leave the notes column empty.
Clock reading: 10:29:12
